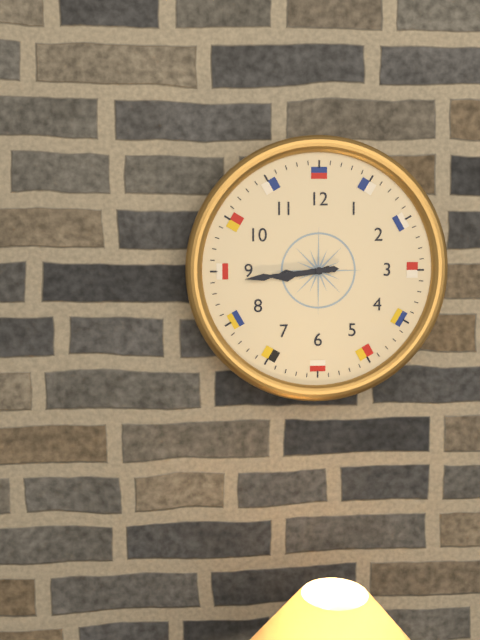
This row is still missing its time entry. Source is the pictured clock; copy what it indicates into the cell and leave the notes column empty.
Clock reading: 8:44
